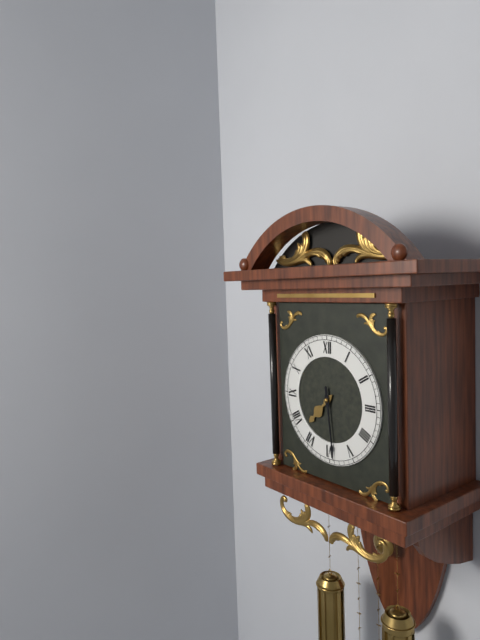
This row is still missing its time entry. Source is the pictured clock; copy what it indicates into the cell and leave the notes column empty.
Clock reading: 7:29
